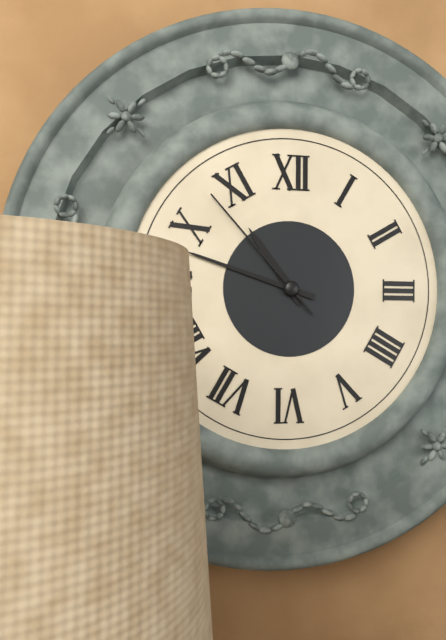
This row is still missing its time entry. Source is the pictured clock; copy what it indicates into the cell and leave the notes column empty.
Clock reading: 10:48:53
